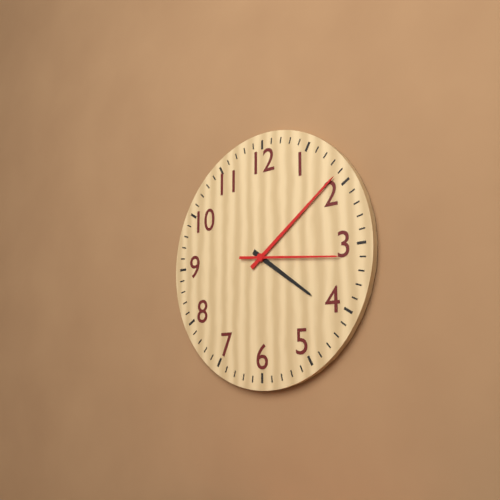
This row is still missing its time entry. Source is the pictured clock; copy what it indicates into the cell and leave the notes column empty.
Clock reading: 4:09:16
